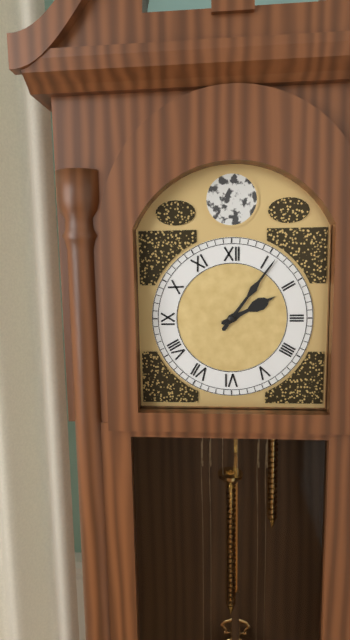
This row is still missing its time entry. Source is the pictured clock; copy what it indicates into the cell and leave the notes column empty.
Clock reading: 2:06
